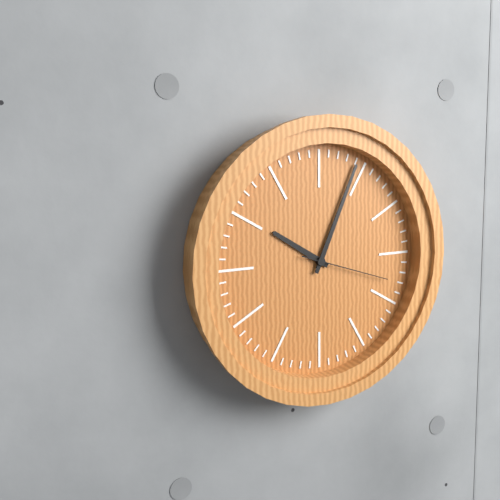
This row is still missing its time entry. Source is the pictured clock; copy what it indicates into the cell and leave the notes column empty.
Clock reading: 10:04:18
